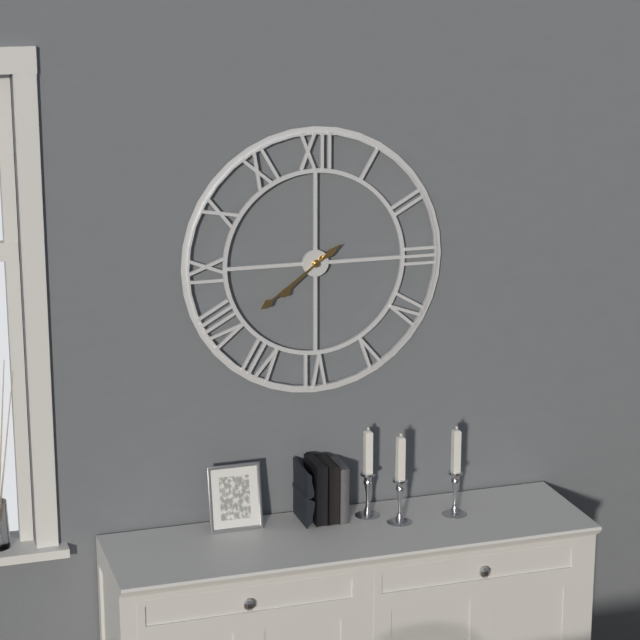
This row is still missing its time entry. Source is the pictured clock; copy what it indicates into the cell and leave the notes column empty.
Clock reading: 7:39
